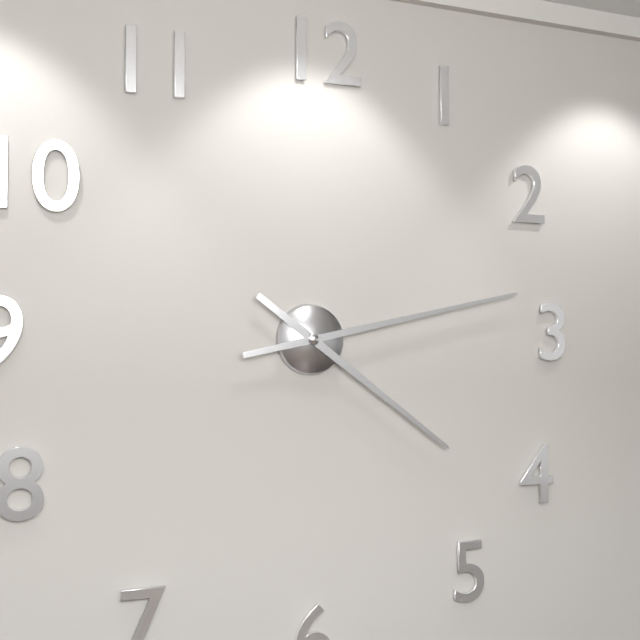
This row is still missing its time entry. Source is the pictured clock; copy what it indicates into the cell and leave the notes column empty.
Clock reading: 4:13
